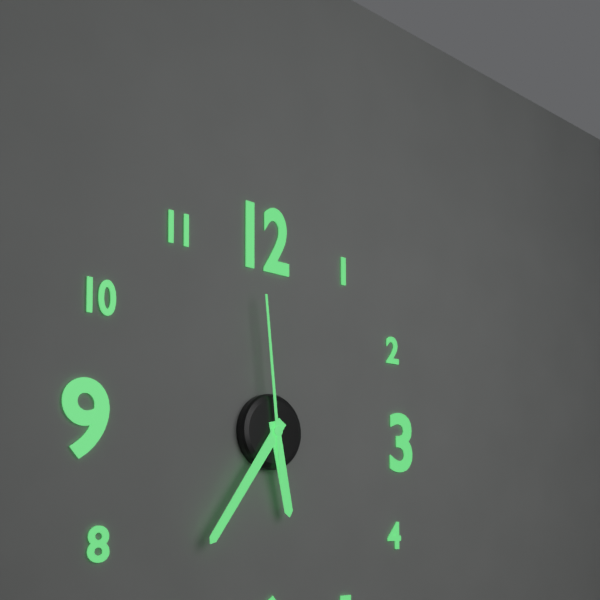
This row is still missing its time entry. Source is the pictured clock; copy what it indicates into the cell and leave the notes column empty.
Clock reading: 5:36:59
